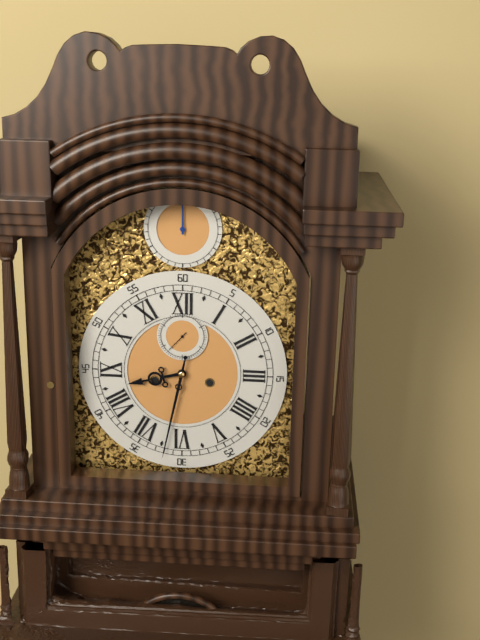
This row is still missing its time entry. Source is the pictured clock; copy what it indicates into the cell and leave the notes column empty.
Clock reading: 8:32
